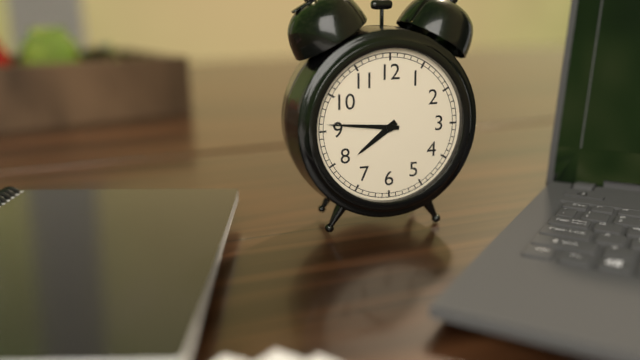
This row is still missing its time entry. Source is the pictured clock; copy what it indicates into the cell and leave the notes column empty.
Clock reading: 7:46
